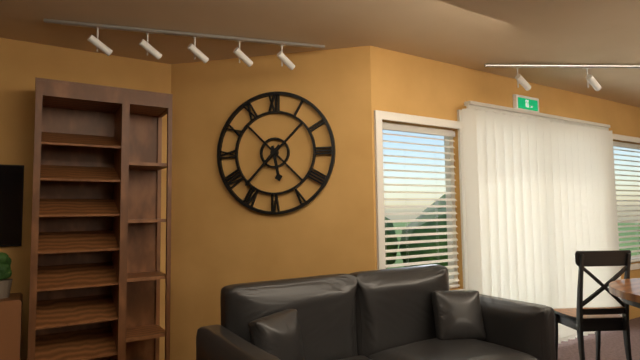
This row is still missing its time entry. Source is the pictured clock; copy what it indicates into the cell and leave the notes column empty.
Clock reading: 5:37
